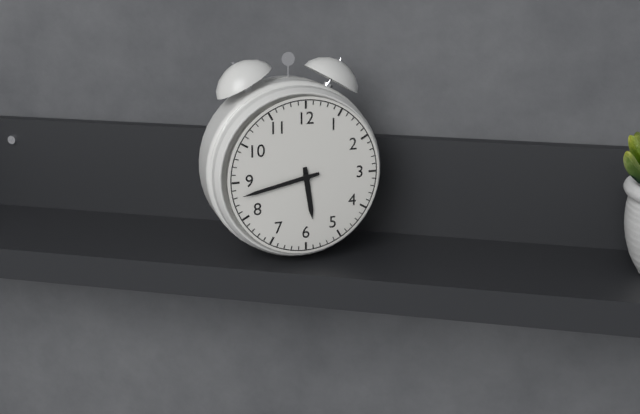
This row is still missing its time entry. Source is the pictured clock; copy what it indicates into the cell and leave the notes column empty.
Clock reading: 5:43
